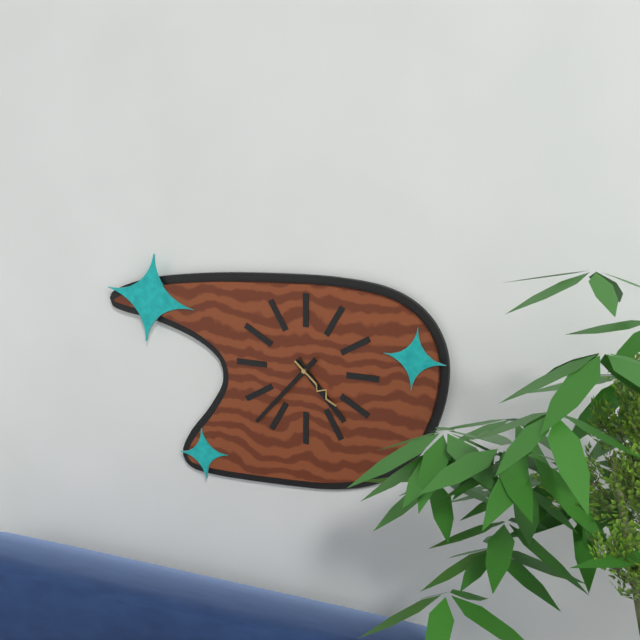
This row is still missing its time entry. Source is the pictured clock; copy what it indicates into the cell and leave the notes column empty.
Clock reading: 4:37:22
